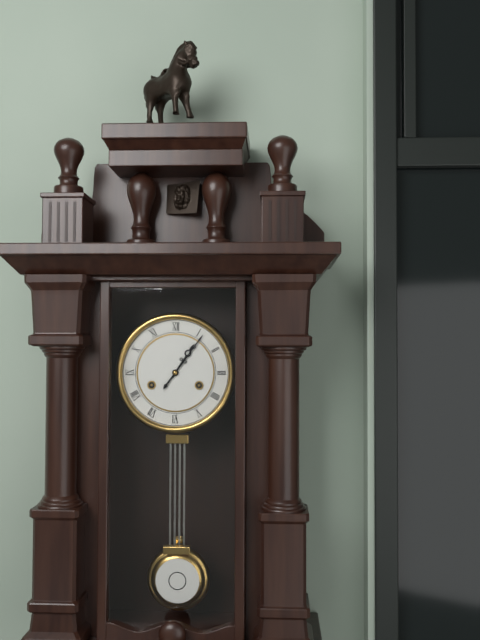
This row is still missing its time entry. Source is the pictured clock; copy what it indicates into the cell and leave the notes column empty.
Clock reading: 1:06
